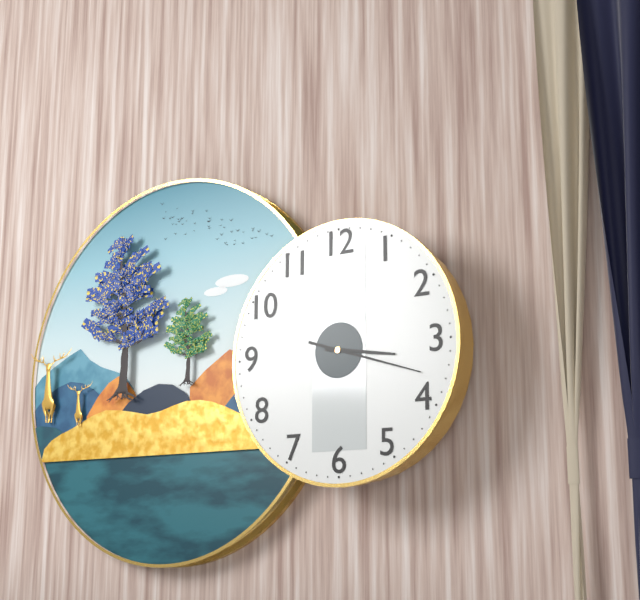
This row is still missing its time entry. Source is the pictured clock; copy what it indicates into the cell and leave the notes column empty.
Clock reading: 3:18
